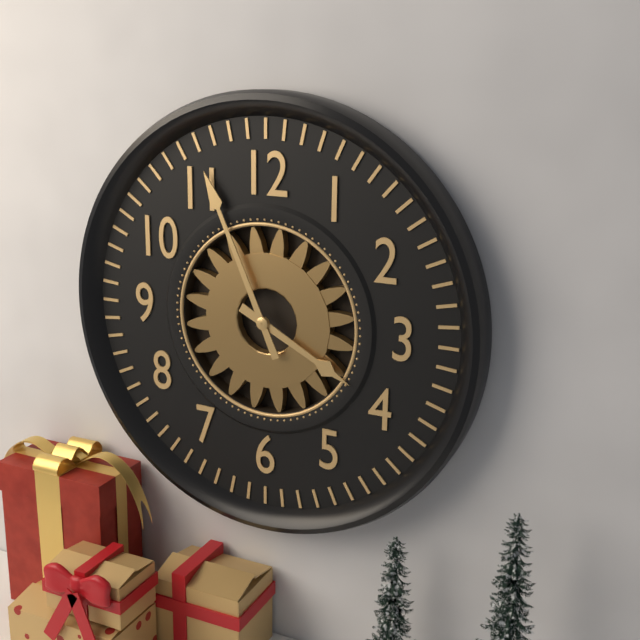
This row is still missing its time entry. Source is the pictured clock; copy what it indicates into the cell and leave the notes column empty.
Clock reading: 3:56
